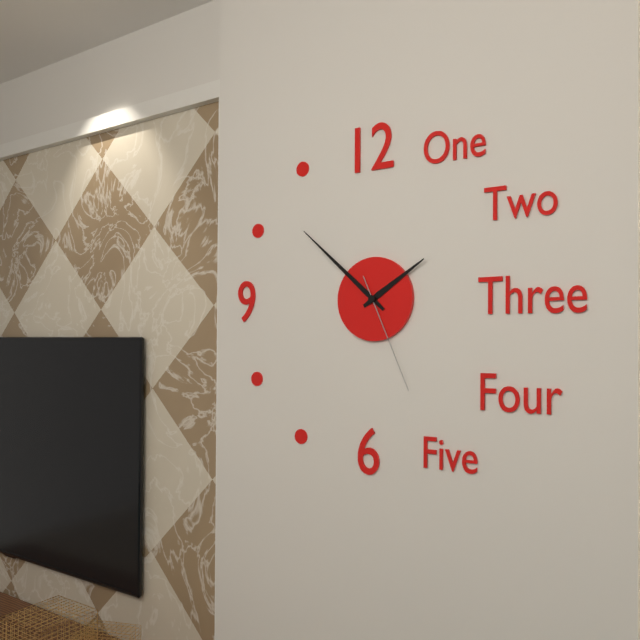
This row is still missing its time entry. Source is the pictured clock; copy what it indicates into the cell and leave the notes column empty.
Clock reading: 1:52:26
